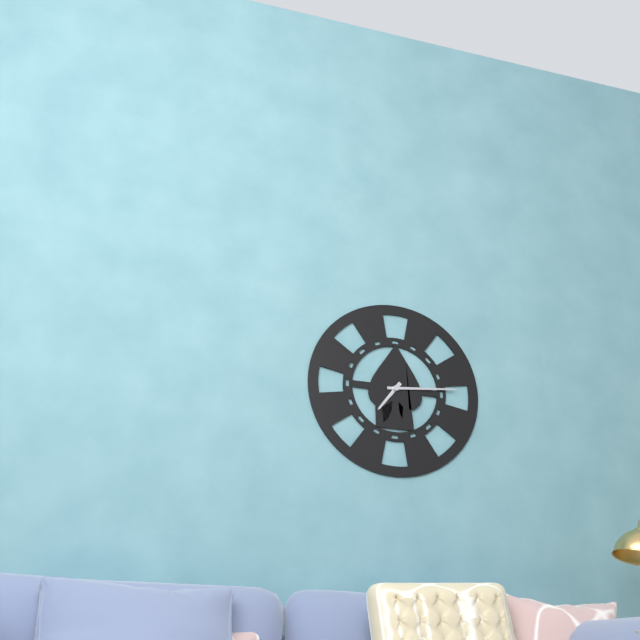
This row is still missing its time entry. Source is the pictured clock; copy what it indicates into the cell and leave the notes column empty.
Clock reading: 7:14
